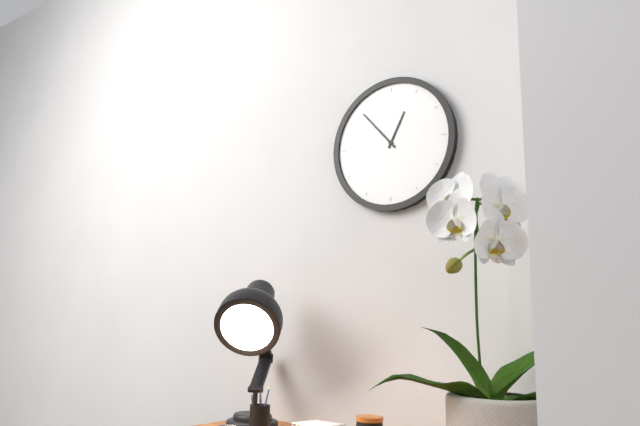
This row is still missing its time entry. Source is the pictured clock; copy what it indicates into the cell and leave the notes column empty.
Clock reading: 12:53
